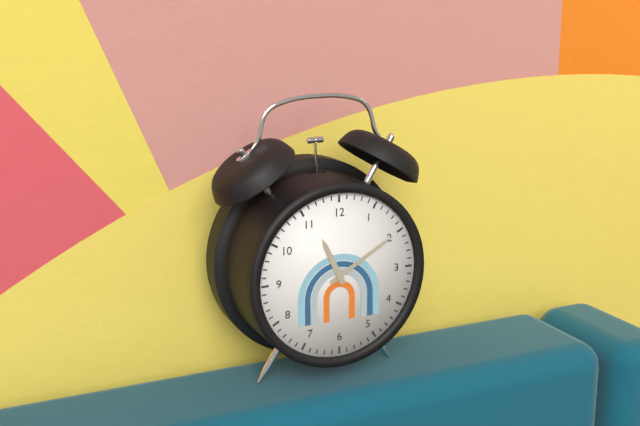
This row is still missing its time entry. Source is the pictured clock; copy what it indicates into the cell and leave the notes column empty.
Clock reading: 11:10
